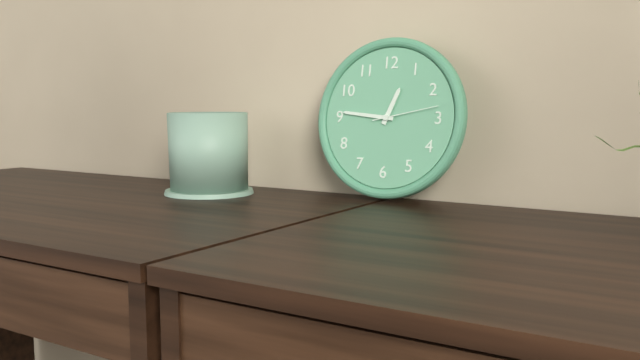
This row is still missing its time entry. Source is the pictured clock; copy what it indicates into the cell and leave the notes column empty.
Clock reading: 12:46:13
